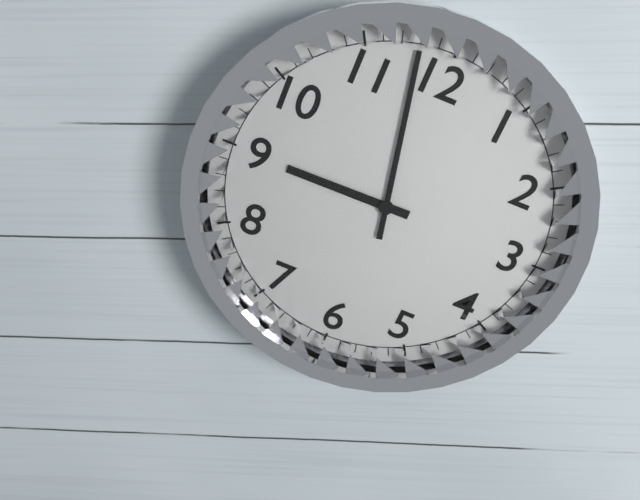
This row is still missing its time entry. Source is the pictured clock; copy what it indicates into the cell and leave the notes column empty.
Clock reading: 8:58
